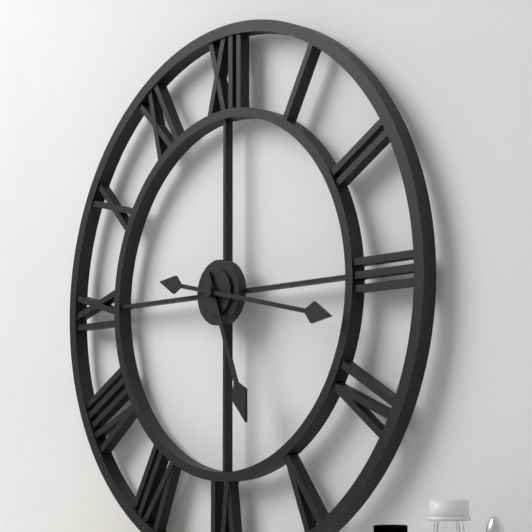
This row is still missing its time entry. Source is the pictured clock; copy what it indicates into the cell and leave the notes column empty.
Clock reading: 5:17
